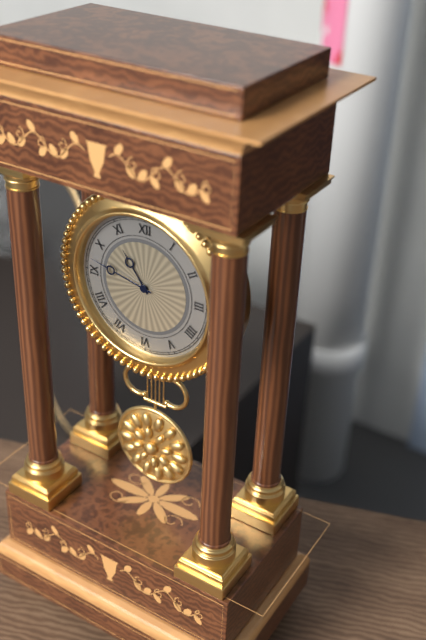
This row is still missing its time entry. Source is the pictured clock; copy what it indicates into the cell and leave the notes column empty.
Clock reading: 10:47
